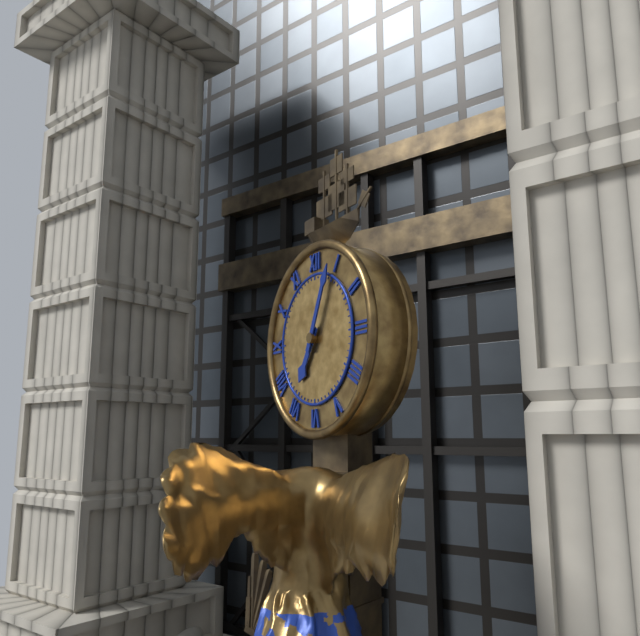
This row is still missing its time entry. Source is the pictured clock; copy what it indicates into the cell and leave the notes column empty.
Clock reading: 7:04
